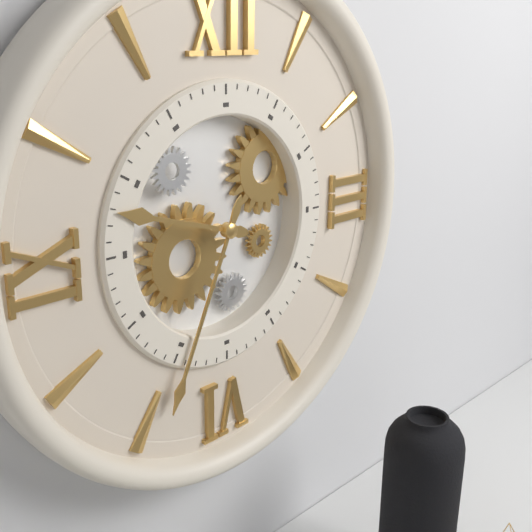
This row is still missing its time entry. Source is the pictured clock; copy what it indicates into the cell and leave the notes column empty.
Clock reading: 9:34
